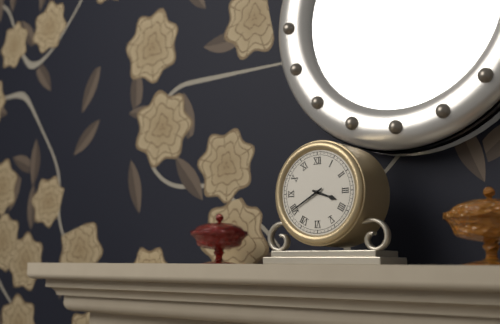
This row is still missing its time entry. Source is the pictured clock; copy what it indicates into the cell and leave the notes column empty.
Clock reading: 3:40
